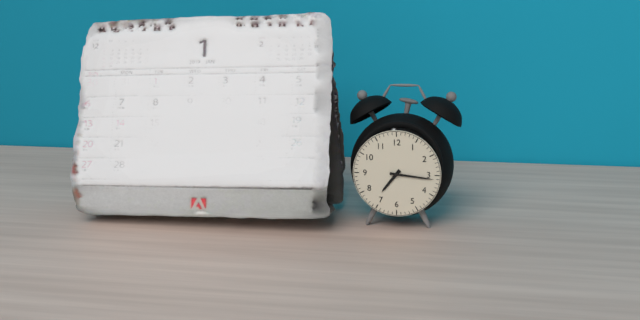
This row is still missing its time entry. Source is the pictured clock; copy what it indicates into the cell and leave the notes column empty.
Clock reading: 7:16
